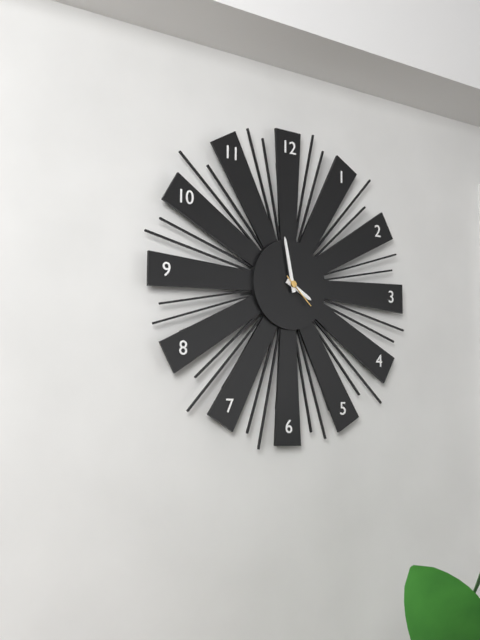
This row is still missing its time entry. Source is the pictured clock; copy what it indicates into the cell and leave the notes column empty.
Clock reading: 3:58
